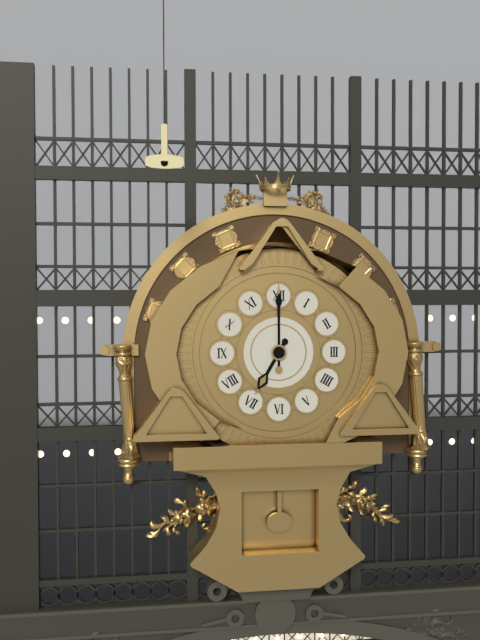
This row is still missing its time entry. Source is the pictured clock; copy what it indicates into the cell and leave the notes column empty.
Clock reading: 7:00
